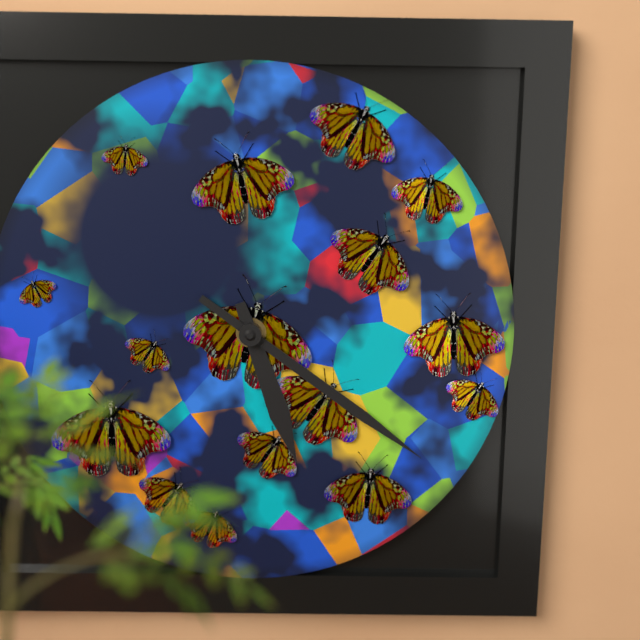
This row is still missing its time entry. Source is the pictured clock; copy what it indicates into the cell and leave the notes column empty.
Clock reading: 5:21
